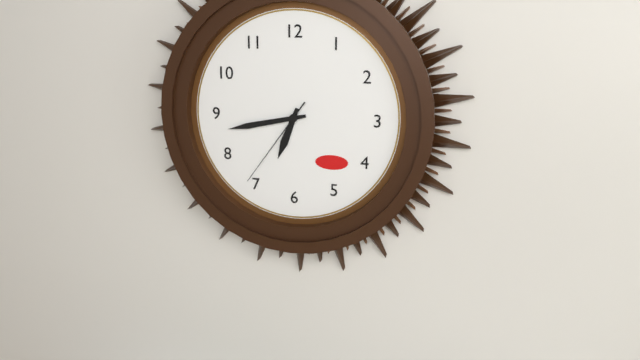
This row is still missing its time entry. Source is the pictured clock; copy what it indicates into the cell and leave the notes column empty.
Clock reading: 6:43:36
